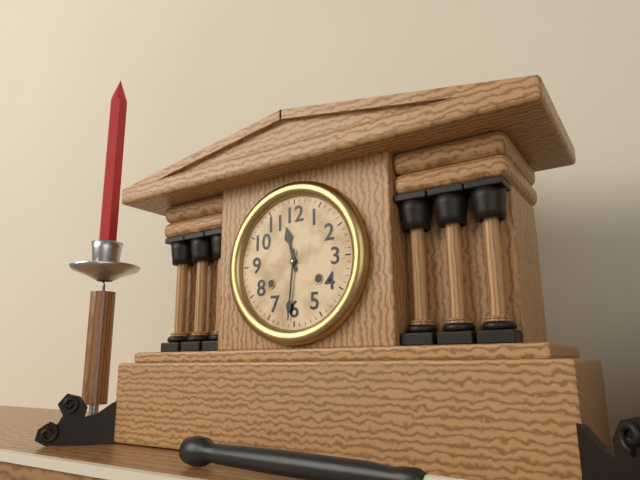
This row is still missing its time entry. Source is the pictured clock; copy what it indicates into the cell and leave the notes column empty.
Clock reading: 11:31
